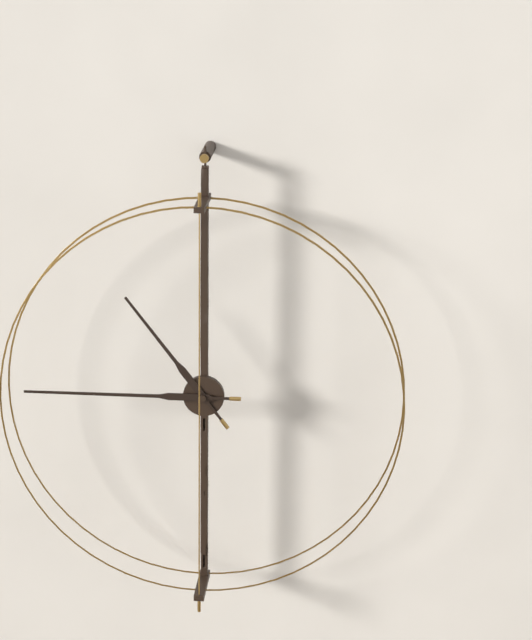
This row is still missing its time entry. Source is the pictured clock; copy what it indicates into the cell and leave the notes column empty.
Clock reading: 10:45
